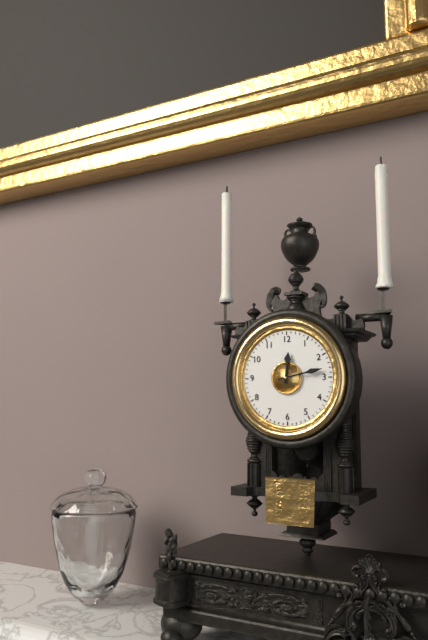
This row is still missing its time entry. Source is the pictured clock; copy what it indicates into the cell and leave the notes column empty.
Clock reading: 12:13
